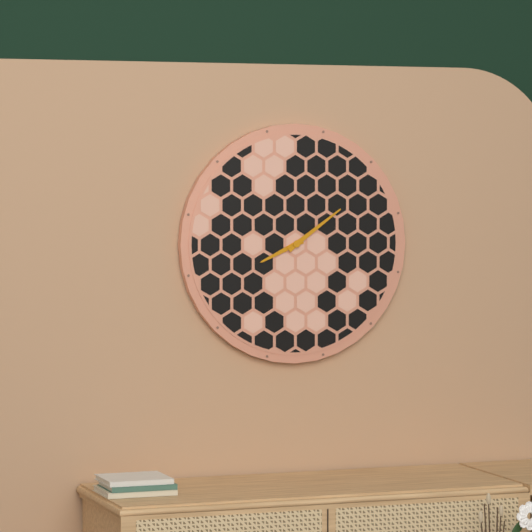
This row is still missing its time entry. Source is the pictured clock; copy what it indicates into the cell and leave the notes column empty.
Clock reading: 8:09
